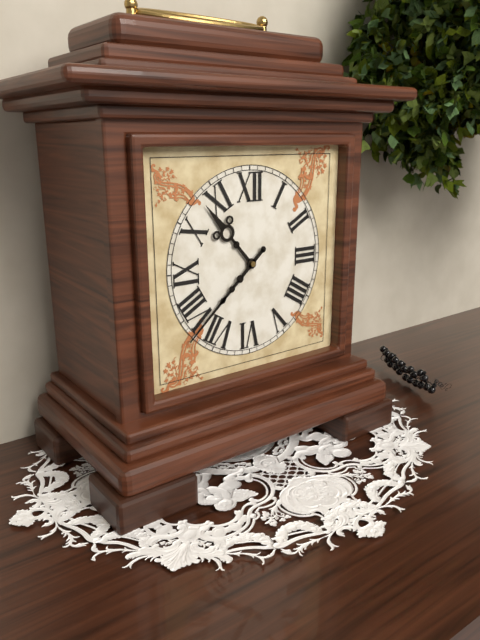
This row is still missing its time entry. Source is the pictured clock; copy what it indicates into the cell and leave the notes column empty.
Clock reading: 10:38
